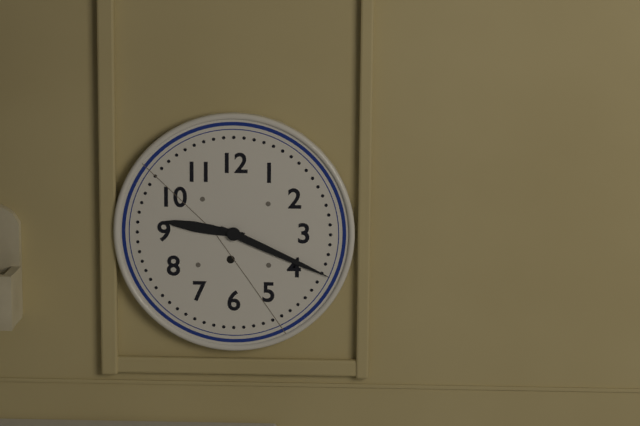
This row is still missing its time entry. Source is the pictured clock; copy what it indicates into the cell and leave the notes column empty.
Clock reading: 9:19
